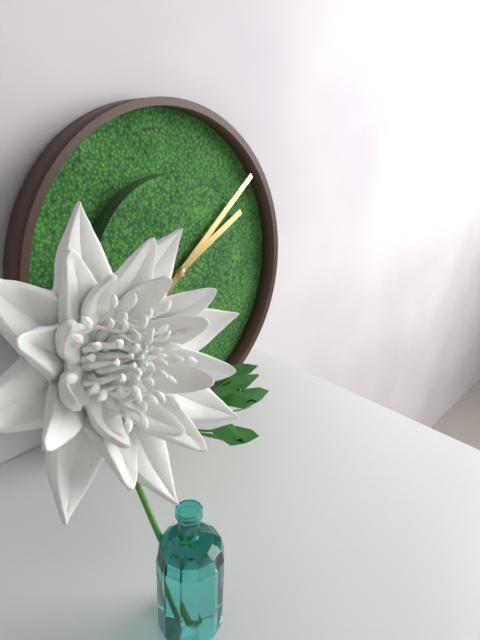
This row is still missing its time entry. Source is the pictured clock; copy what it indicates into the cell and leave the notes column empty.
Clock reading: 2:09
